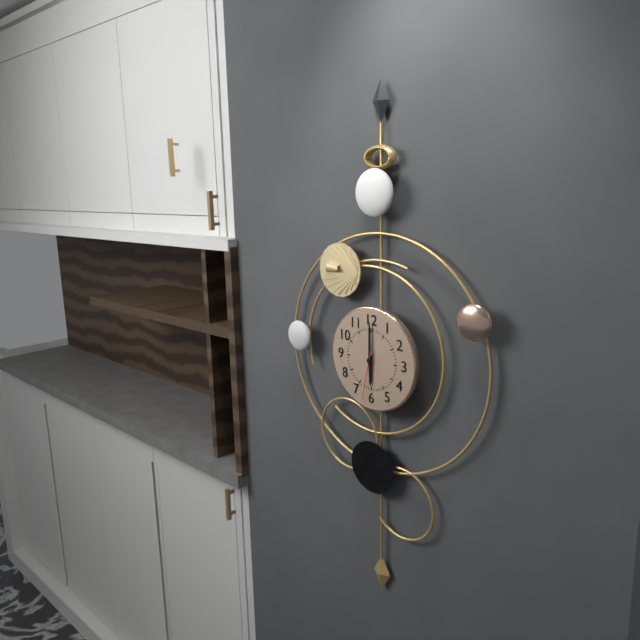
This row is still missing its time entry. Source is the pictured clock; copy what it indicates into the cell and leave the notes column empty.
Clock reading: 6:00
